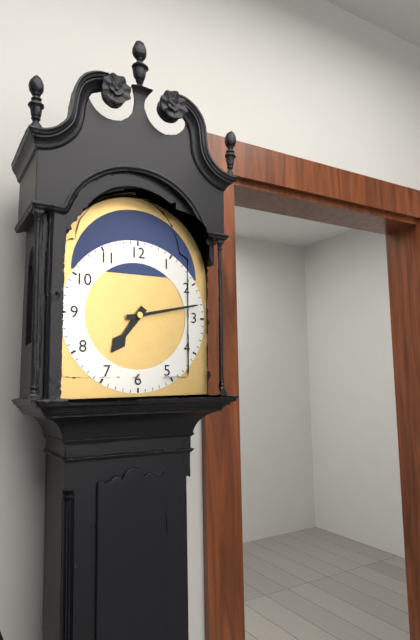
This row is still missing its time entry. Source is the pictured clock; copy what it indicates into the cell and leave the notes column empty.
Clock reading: 7:13
